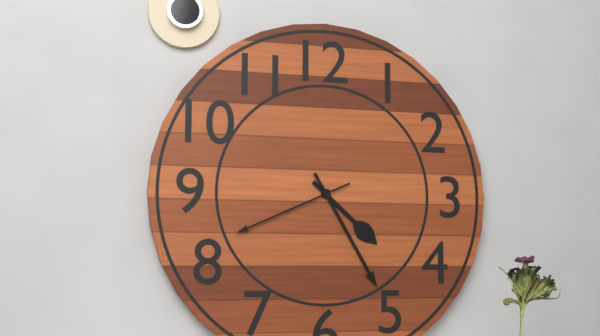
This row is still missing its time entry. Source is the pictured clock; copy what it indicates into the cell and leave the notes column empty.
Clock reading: 4:25:41
